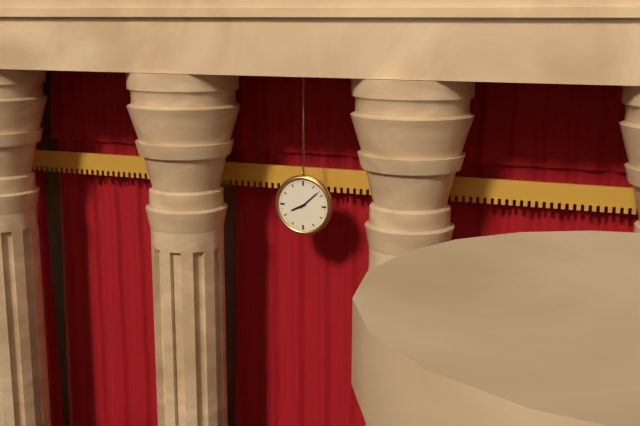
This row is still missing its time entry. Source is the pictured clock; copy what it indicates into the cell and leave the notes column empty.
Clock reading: 8:08
